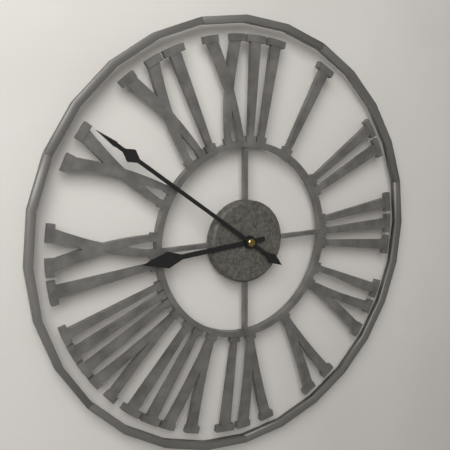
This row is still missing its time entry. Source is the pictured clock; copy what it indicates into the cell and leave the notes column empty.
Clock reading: 8:51
